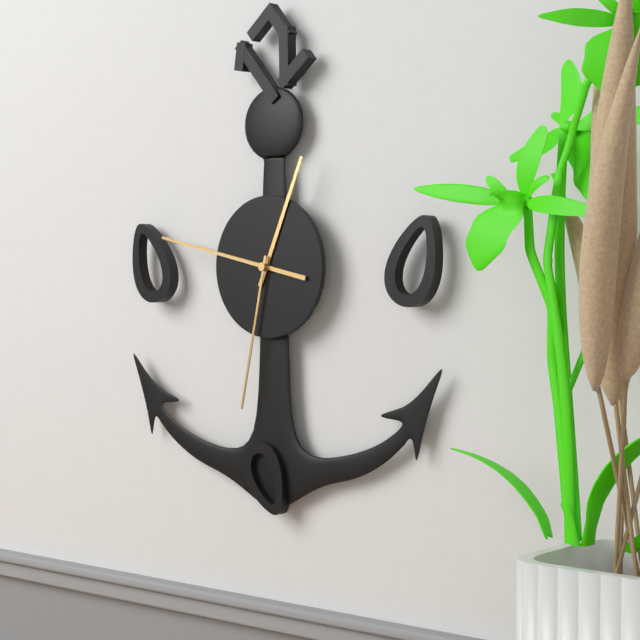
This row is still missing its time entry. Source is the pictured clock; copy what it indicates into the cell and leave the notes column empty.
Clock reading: 12:47:32
